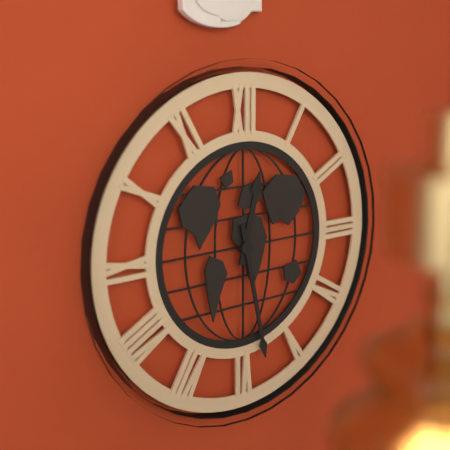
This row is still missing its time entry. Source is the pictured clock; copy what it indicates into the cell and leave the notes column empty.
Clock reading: 12:28
